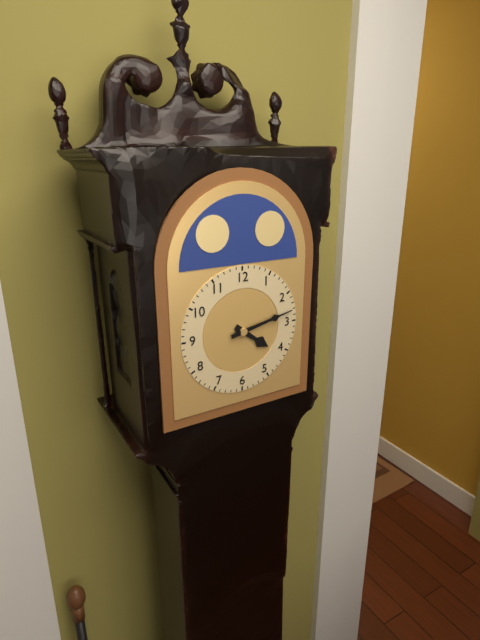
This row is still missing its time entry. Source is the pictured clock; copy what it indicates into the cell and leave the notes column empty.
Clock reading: 4:13
